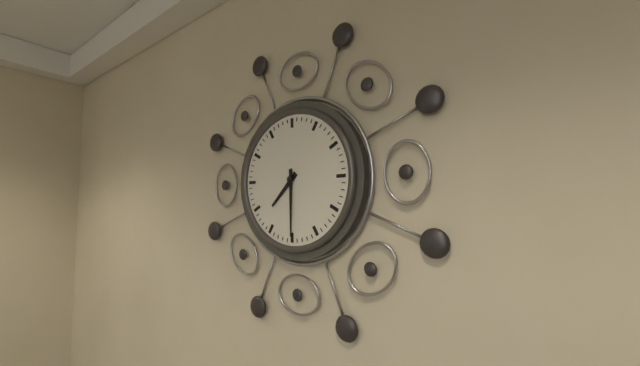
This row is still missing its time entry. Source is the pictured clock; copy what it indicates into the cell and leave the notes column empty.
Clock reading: 7:30
